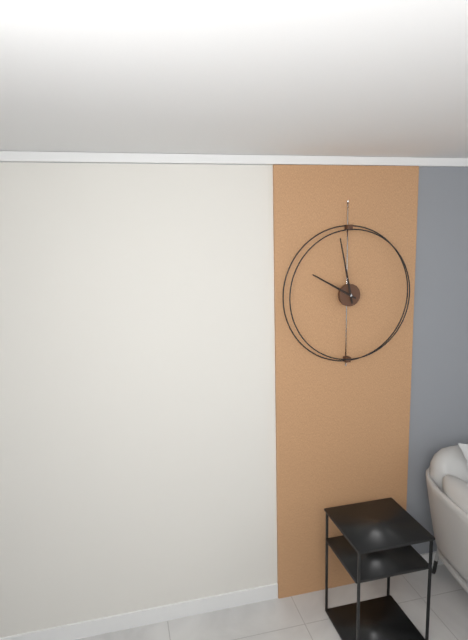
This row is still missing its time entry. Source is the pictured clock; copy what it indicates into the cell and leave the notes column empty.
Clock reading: 9:58
